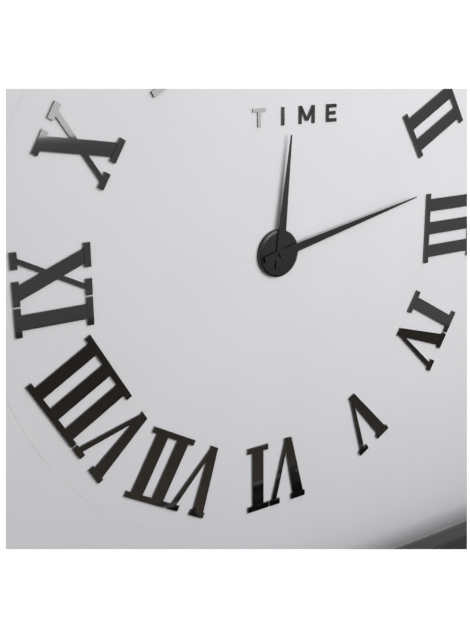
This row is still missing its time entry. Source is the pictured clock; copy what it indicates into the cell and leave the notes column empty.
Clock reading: 12:13
